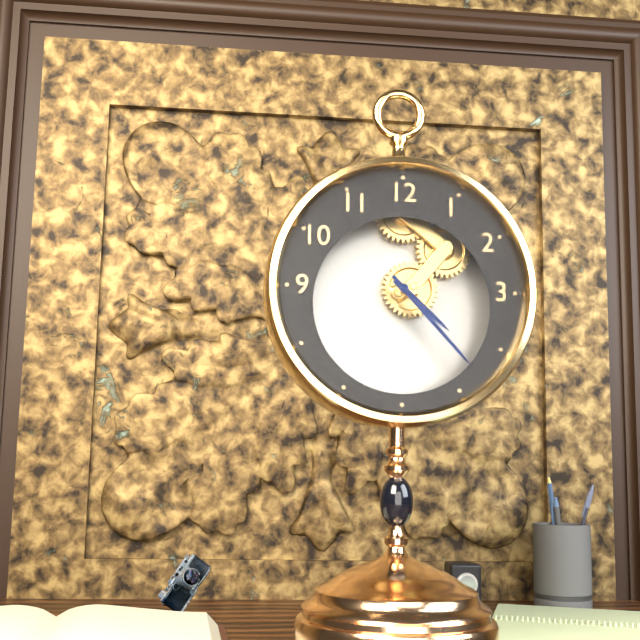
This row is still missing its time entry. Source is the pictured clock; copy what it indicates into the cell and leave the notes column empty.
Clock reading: 4:23
